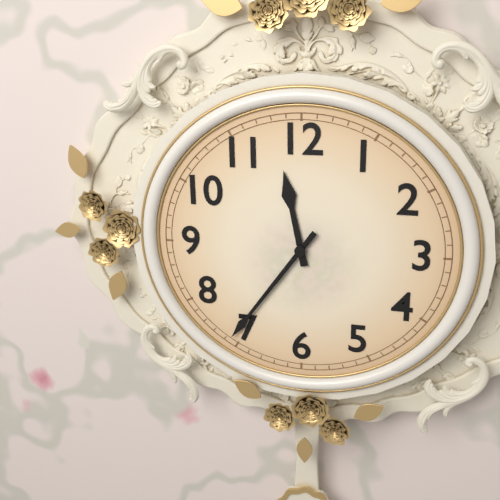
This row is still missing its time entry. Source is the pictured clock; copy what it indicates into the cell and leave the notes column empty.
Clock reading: 11:36
